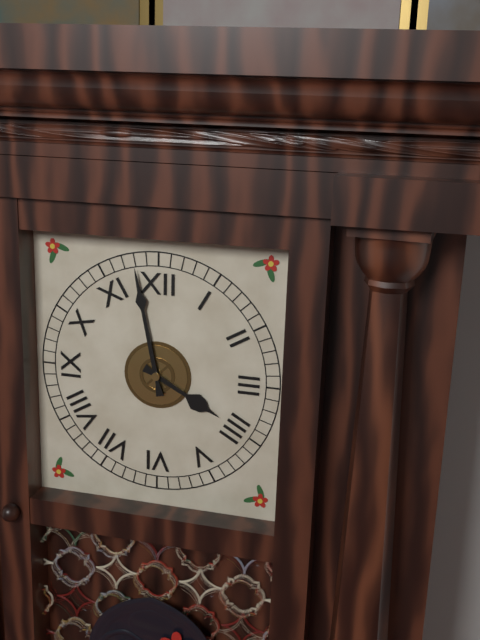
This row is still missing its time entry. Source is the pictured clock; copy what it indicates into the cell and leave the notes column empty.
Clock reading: 3:58
